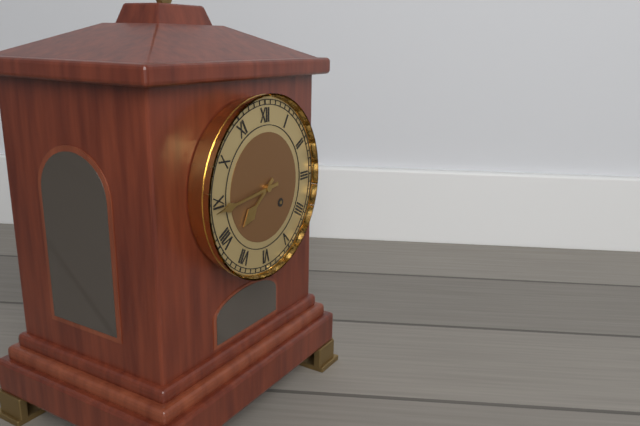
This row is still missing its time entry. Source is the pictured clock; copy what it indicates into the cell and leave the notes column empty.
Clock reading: 7:44
